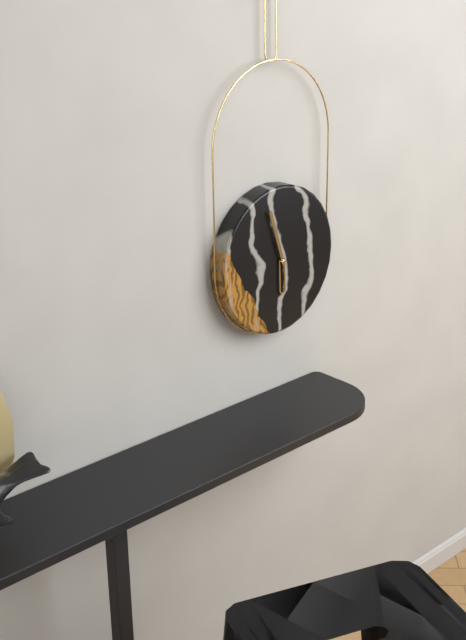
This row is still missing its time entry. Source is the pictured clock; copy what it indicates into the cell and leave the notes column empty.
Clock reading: 5:57
